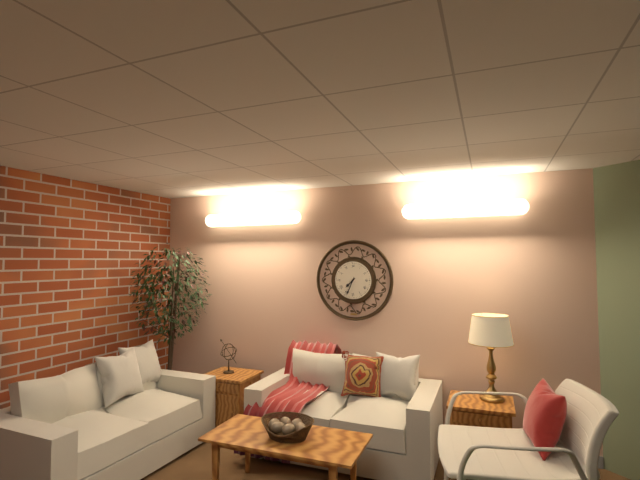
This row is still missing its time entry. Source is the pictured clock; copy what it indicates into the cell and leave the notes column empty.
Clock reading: 7:34
